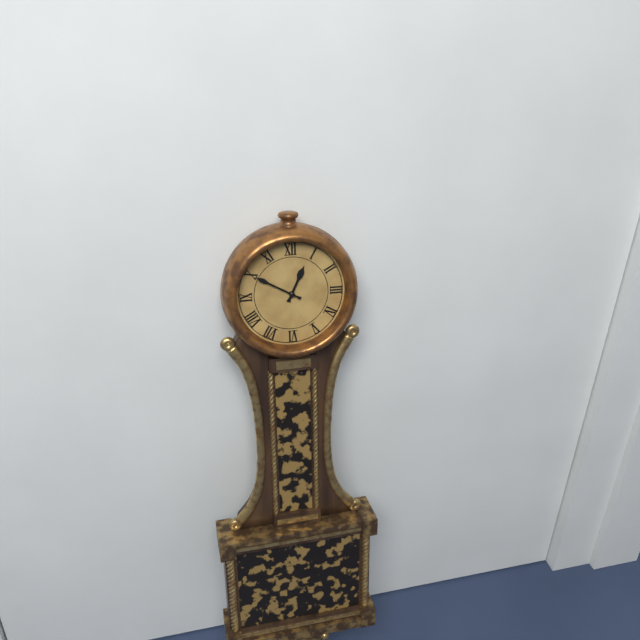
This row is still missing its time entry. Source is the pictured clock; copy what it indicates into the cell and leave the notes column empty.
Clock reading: 12:50
